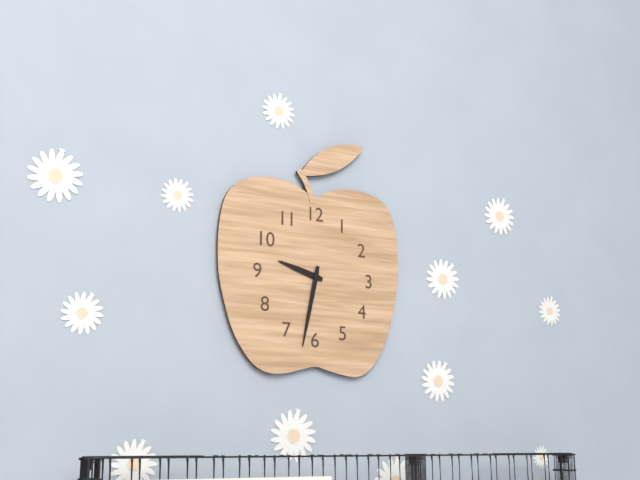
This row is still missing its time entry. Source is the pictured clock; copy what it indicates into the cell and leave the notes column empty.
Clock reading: 9:32
